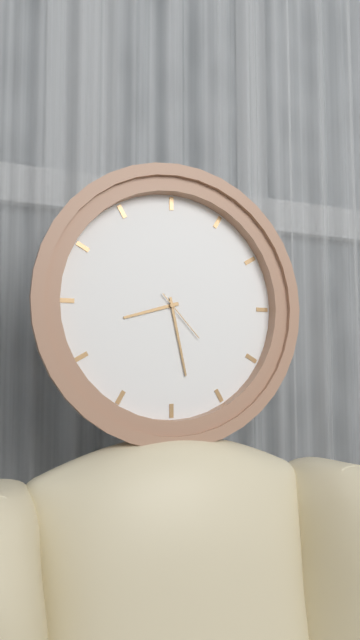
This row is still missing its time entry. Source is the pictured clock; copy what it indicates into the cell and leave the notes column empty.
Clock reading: 8:28:23
